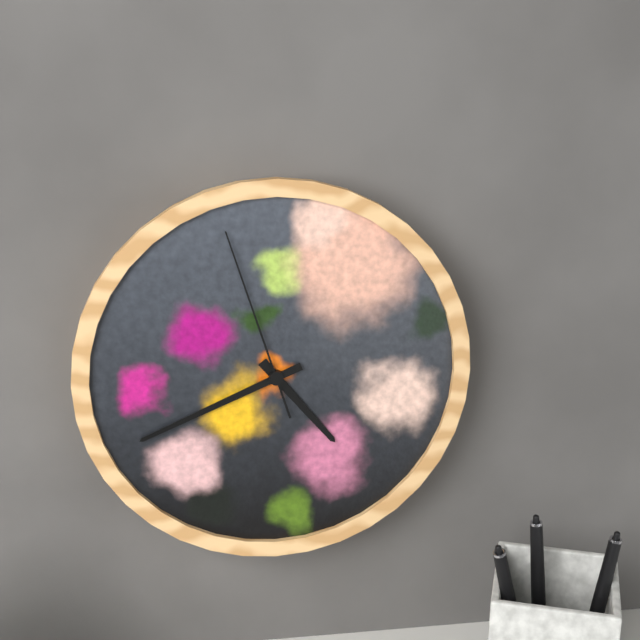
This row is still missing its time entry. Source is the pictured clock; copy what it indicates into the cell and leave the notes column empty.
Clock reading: 4:41:57
